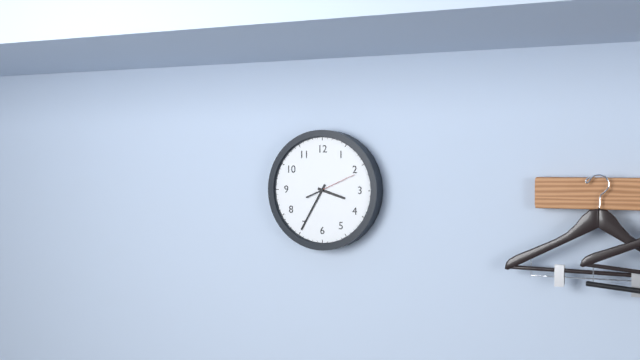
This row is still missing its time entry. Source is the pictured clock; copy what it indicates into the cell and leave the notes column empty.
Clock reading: 3:35
